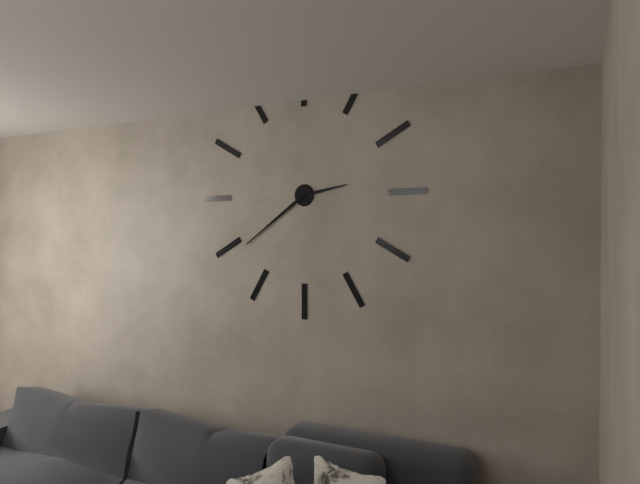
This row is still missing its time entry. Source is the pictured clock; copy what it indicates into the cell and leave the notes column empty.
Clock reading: 2:39
